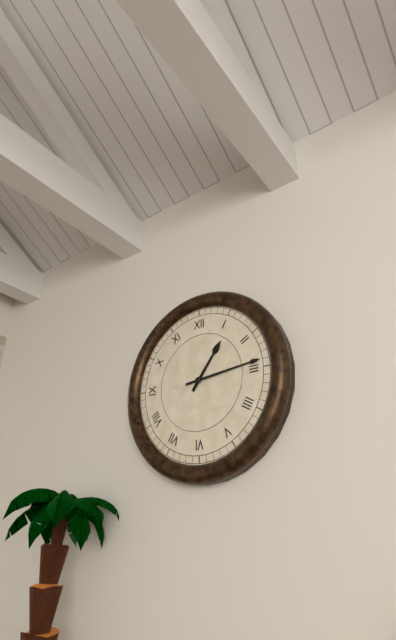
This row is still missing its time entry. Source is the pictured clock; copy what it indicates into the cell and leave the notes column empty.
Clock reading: 1:14
